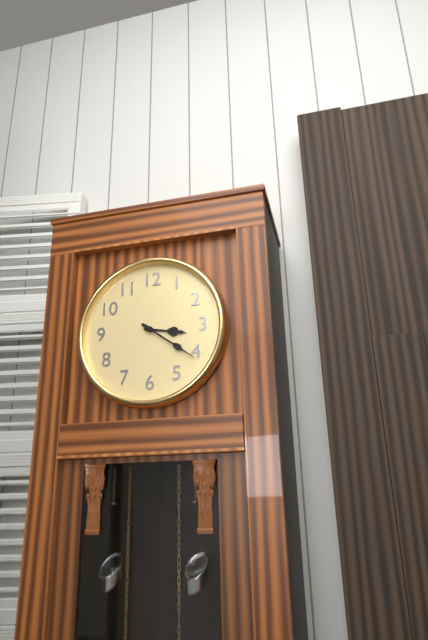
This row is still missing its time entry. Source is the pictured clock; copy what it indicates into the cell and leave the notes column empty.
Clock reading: 3:21
